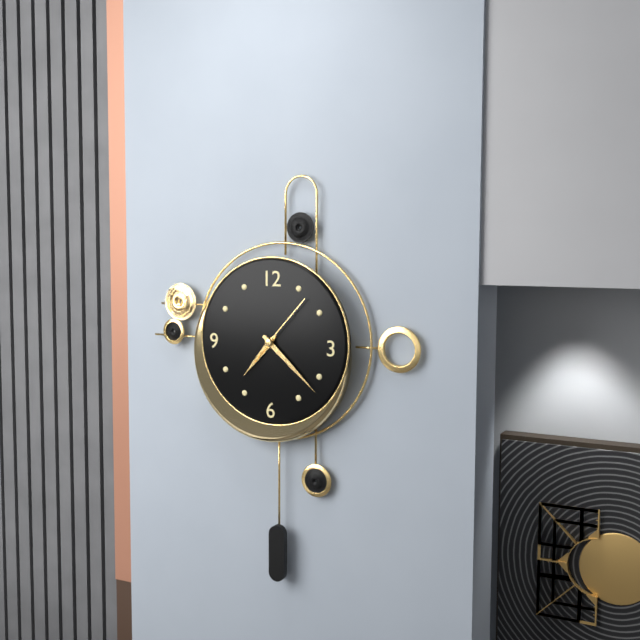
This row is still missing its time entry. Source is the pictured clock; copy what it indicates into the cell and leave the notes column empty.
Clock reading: 7:22:07
